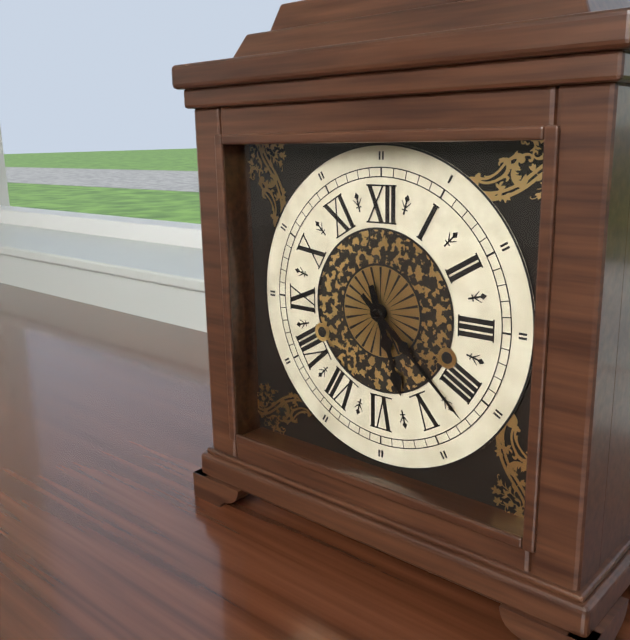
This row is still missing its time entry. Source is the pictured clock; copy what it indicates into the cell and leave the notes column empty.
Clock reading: 5:22
